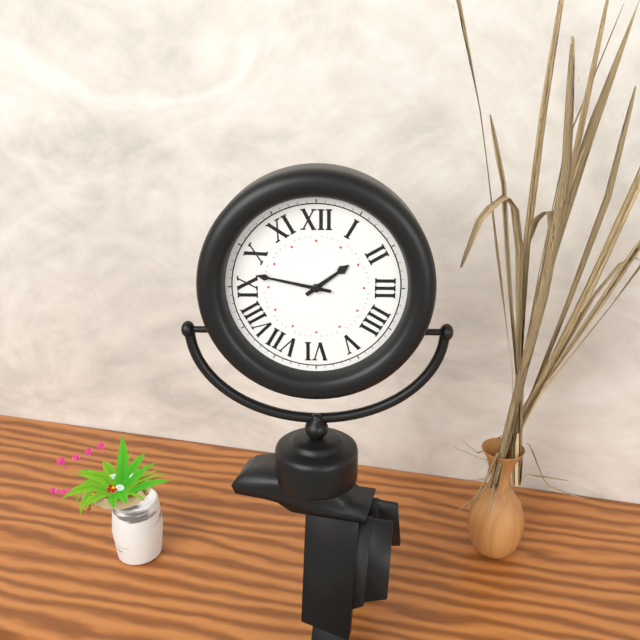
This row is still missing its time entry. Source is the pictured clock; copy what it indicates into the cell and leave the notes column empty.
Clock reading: 1:47
